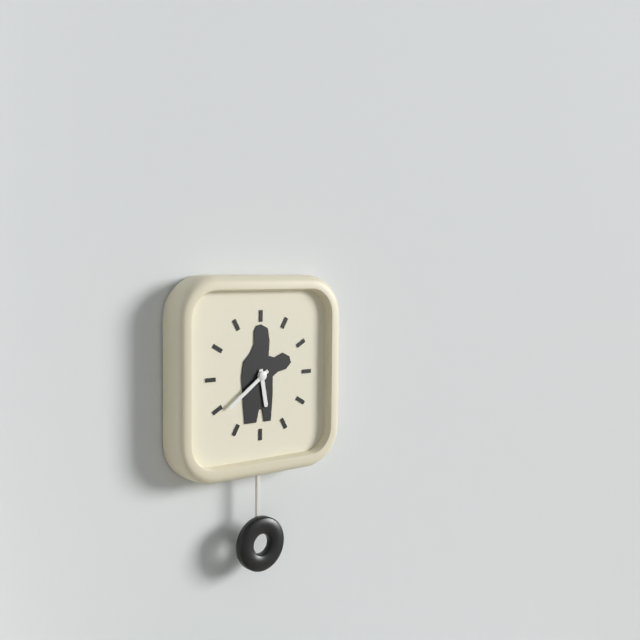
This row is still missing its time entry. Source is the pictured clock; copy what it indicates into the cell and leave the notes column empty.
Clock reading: 5:39
